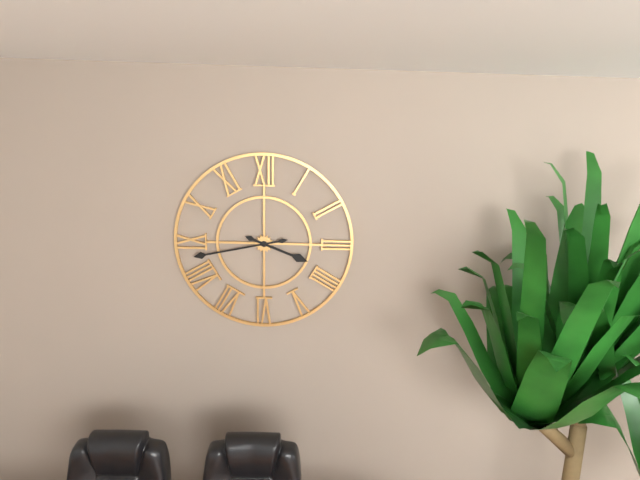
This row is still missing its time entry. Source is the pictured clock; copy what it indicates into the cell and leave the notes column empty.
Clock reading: 3:43
